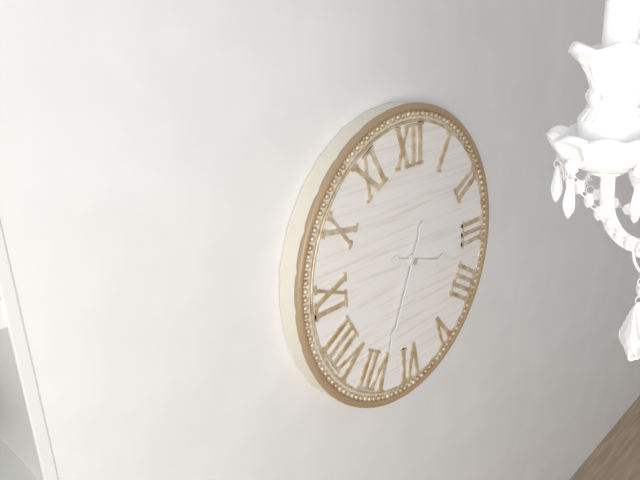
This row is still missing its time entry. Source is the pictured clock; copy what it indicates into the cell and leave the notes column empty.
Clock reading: 3:34
